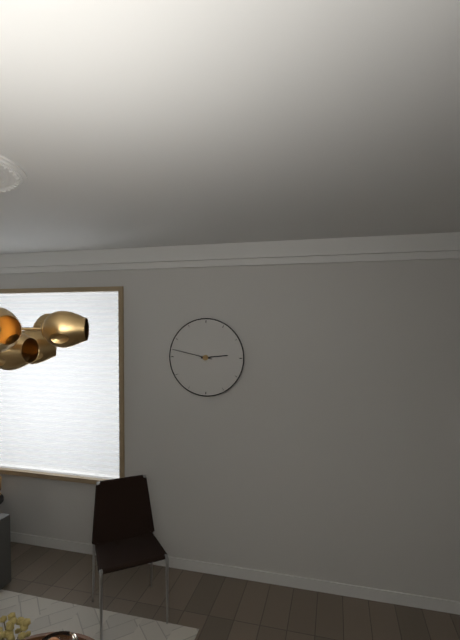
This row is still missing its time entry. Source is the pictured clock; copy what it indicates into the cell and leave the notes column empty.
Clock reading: 2:47
